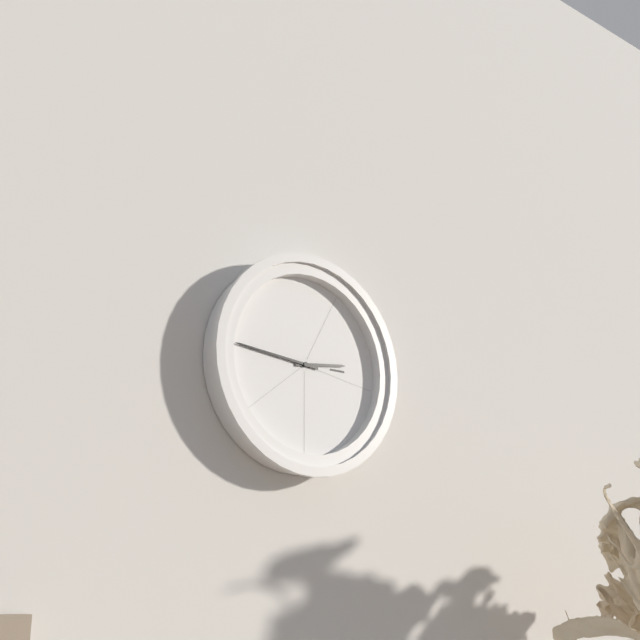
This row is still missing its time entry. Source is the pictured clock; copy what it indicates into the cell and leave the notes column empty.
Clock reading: 2:46
